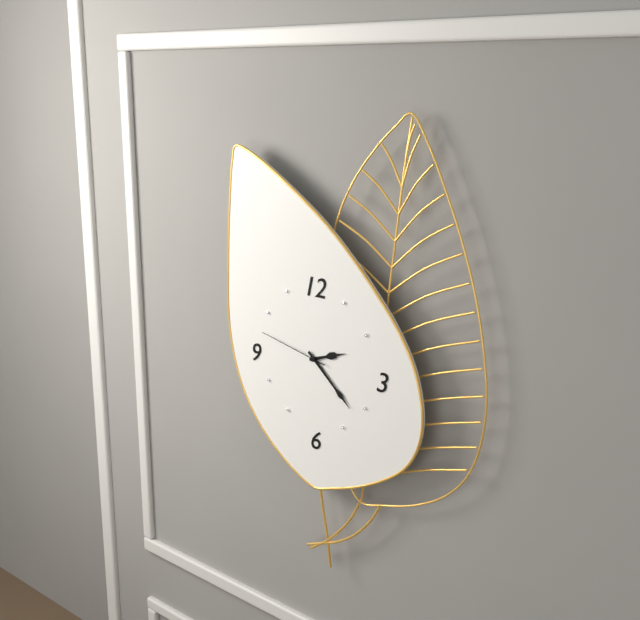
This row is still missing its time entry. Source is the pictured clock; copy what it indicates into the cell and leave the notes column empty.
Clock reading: 2:22:47
